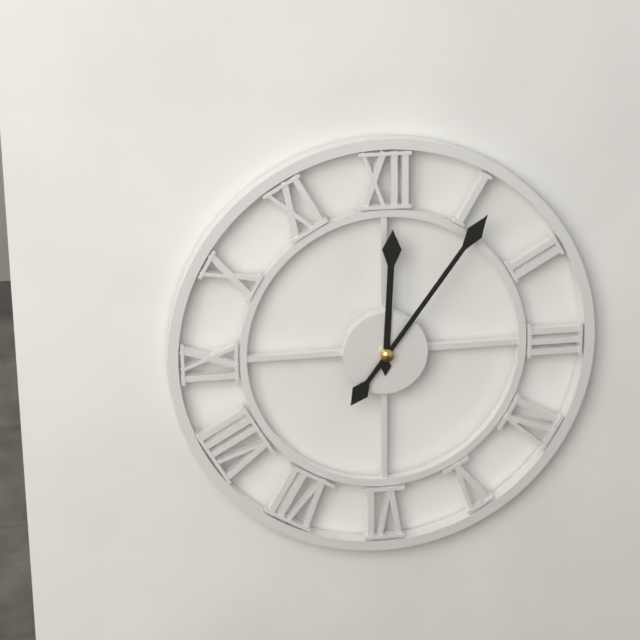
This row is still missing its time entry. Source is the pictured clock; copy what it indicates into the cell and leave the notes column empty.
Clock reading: 12:06
